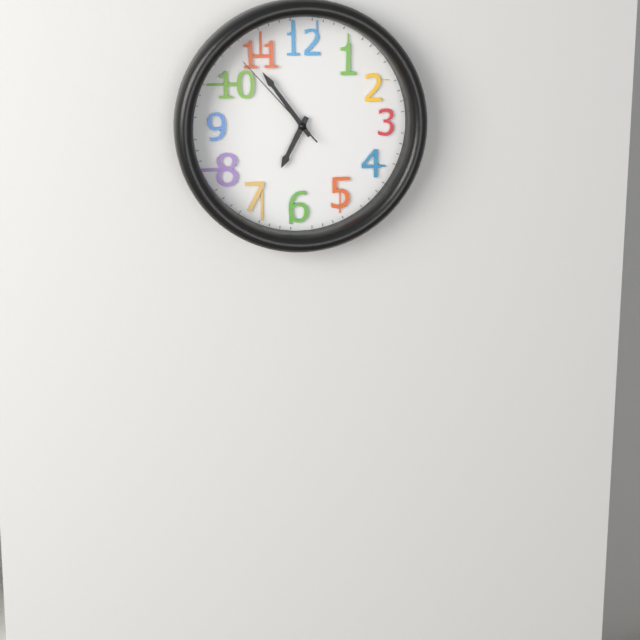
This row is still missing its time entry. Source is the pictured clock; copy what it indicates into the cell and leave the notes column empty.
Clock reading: 6:54:53
